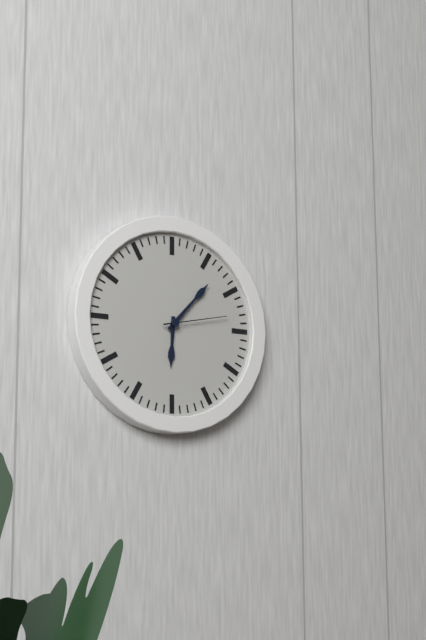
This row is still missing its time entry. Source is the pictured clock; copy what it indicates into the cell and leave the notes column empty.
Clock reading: 6:07:13
